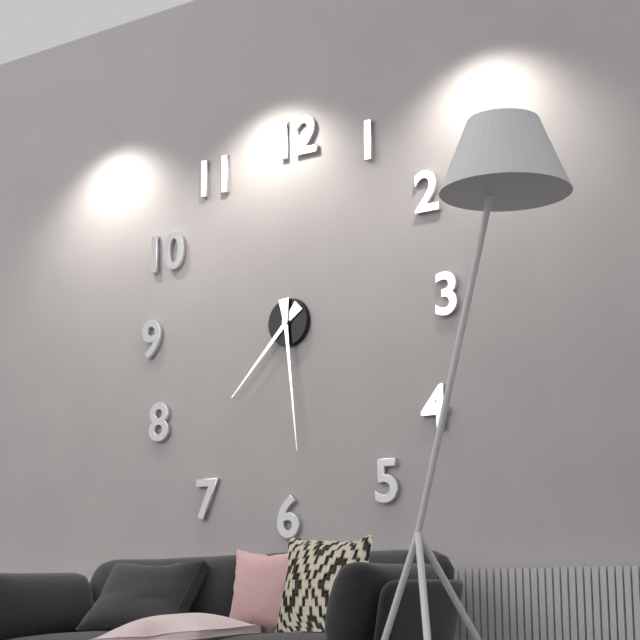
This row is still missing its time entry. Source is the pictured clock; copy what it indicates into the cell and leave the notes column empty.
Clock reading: 7:29
